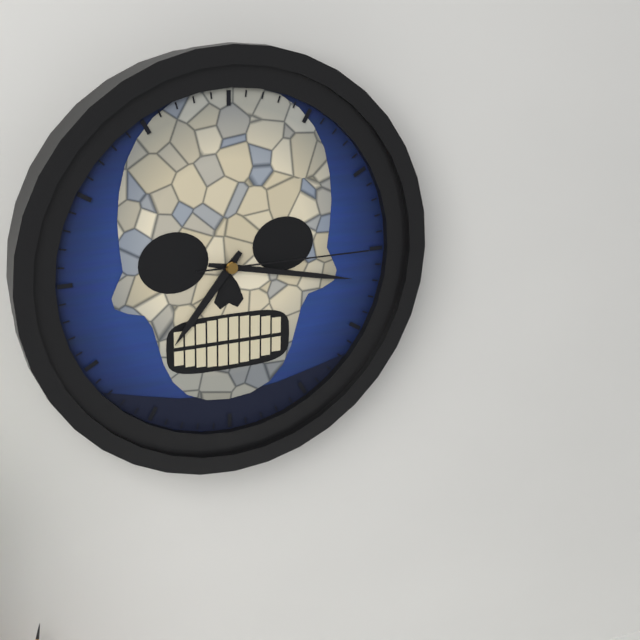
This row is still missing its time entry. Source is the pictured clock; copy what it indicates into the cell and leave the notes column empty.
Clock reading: 7:17:15
